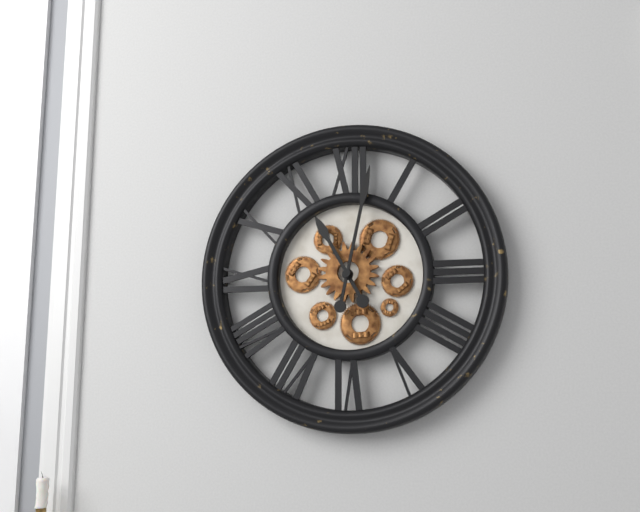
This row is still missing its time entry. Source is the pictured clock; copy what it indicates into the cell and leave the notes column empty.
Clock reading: 11:02
